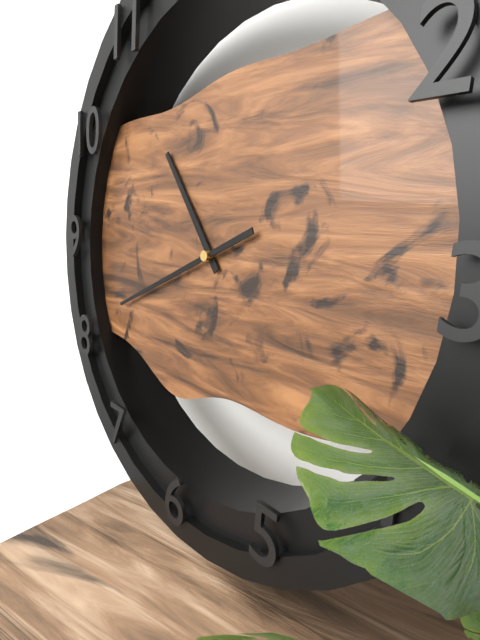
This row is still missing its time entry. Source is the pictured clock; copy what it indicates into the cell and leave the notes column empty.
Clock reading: 10:41
